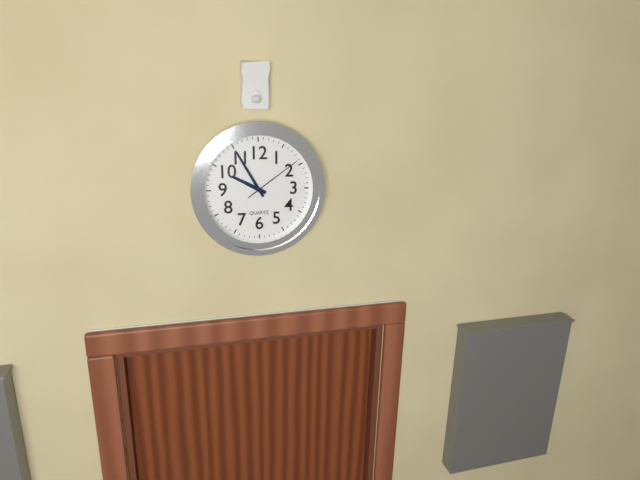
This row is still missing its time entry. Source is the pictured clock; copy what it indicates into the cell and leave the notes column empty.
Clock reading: 9:55:09
